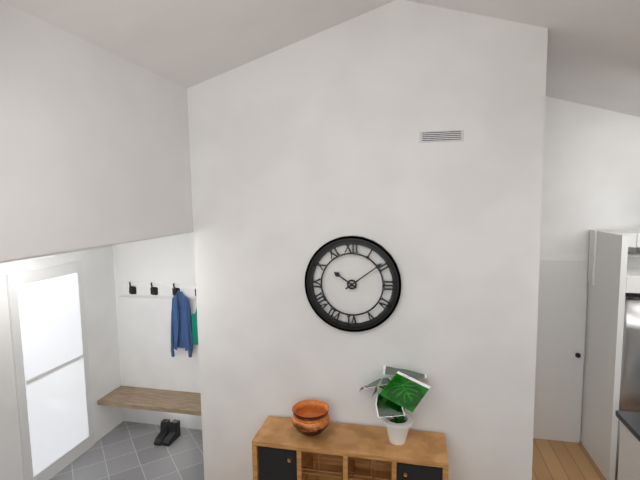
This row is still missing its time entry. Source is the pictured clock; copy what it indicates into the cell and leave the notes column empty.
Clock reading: 10:09
